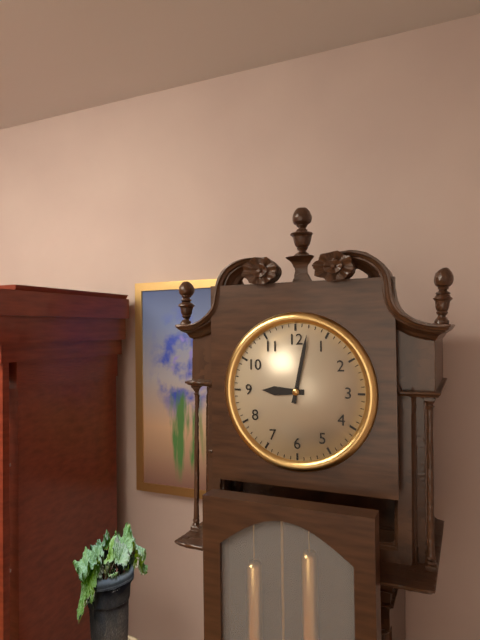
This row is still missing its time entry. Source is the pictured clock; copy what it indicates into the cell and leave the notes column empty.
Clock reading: 9:02
